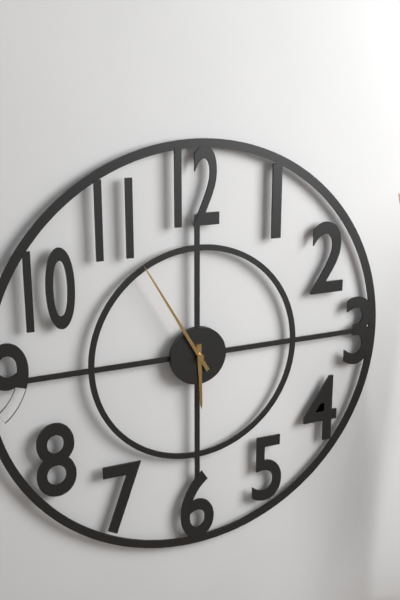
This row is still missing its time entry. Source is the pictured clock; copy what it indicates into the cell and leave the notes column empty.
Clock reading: 5:55
